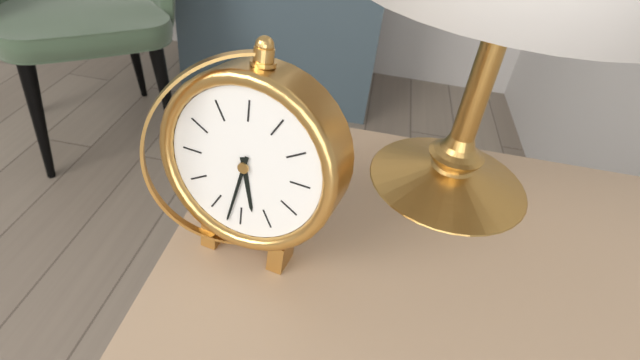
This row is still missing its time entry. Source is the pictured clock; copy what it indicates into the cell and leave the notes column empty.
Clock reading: 5:32
